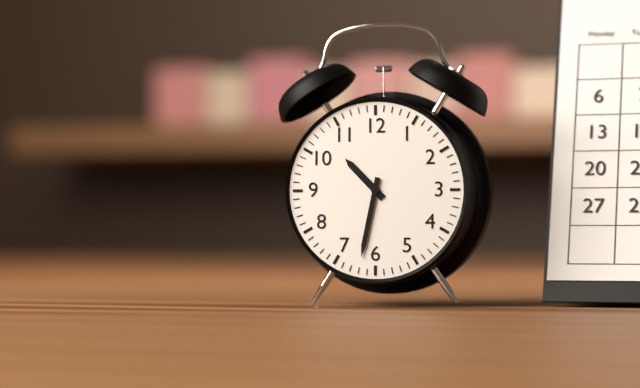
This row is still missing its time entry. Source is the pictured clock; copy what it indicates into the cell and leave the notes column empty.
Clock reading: 10:32
